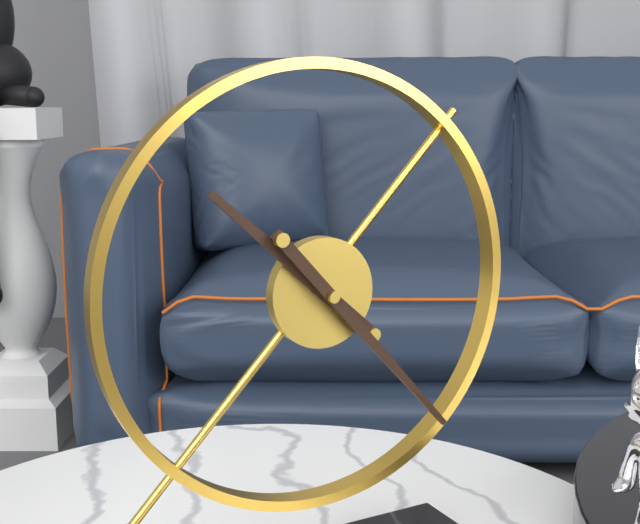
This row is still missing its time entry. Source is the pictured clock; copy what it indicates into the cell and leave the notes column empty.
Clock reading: 10:23
